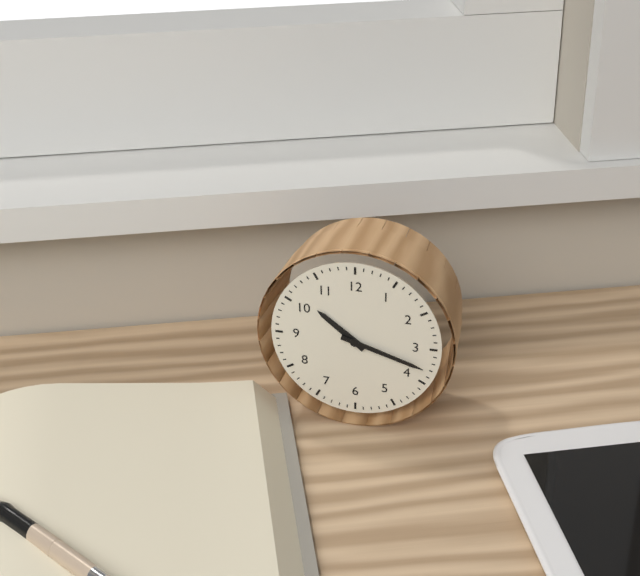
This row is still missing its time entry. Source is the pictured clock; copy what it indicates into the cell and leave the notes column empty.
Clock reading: 10:18
